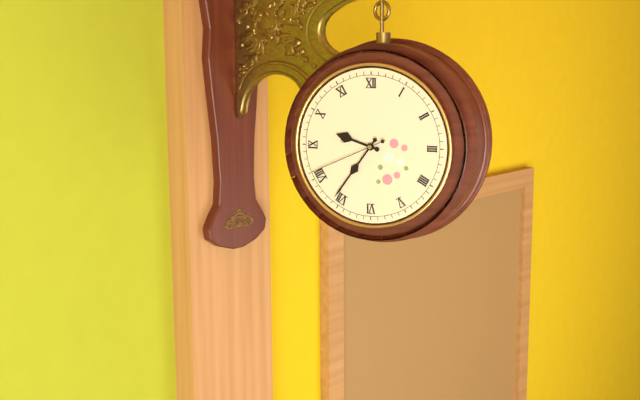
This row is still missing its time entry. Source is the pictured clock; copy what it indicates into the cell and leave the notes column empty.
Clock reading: 9:36:41
